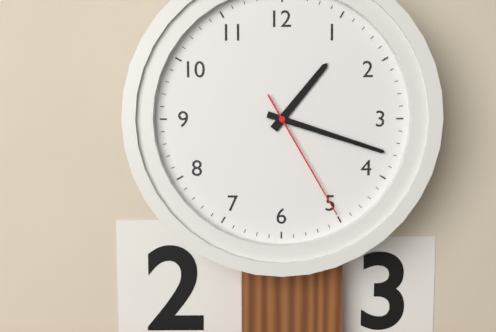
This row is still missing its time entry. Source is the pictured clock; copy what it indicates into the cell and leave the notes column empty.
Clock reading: 1:18:25
